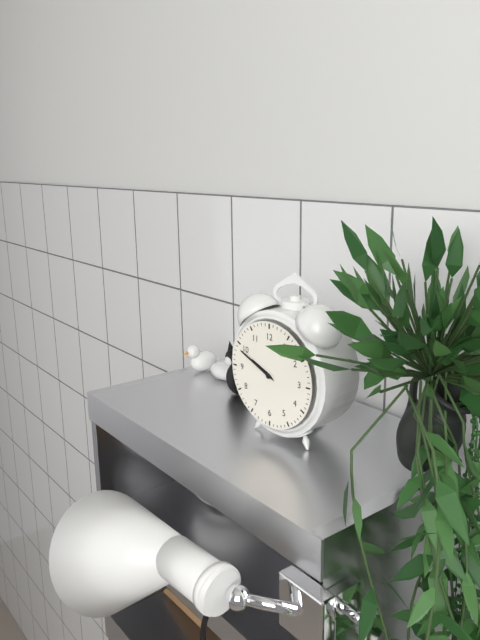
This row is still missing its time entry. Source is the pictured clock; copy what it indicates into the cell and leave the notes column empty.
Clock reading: 9:49
